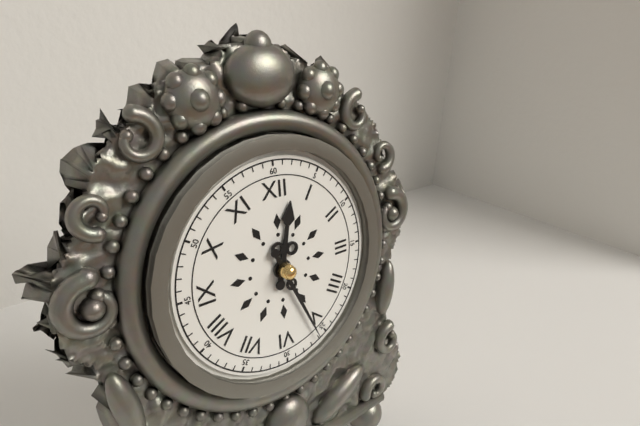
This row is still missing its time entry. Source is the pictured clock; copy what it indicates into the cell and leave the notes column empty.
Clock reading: 12:26
